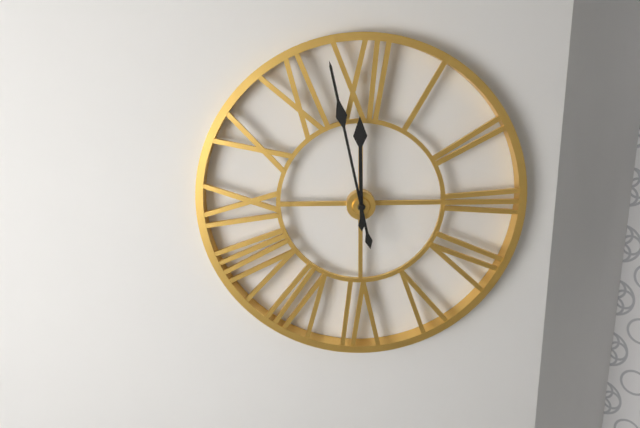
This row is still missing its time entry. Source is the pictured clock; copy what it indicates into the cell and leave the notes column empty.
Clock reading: 11:58
